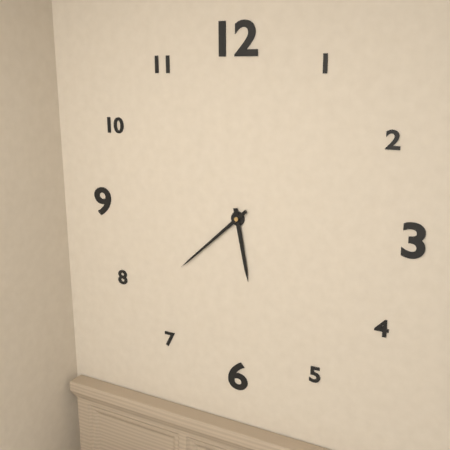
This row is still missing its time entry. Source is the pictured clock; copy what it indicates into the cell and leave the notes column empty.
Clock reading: 5:38
